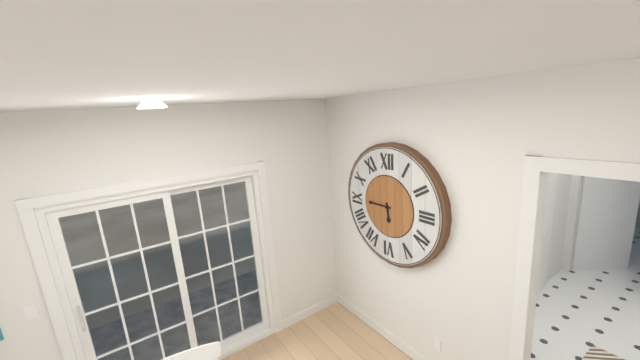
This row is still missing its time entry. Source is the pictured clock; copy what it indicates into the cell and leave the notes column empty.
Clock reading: 5:45
